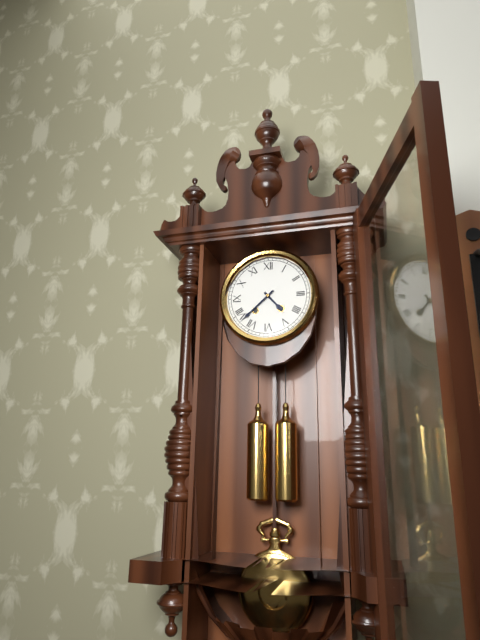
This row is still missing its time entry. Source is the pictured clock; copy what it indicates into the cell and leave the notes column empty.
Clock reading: 4:38
